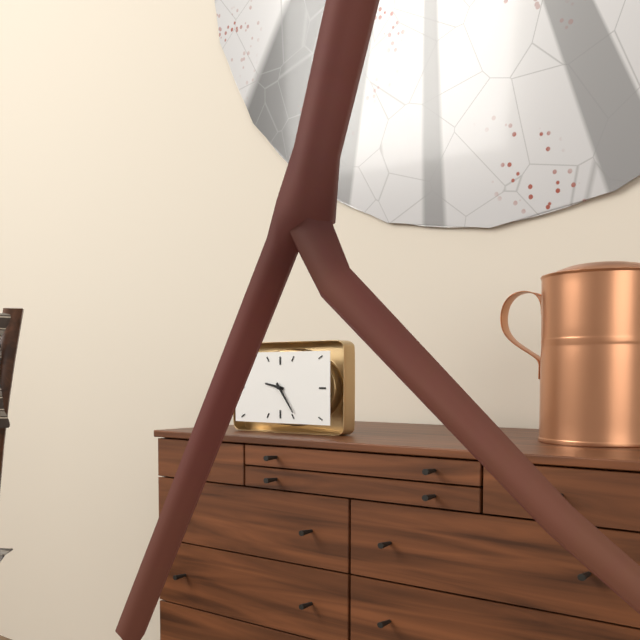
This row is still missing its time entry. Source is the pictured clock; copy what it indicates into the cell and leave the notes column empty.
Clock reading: 9:24
